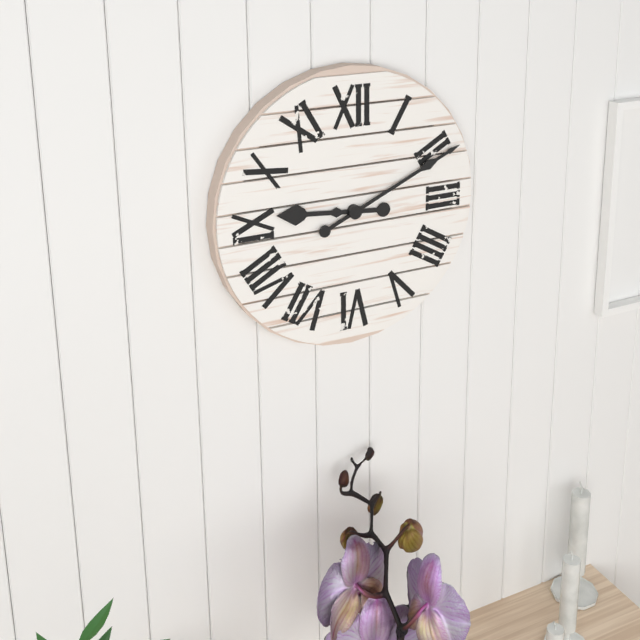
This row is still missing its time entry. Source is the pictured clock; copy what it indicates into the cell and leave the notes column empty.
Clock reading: 9:11
